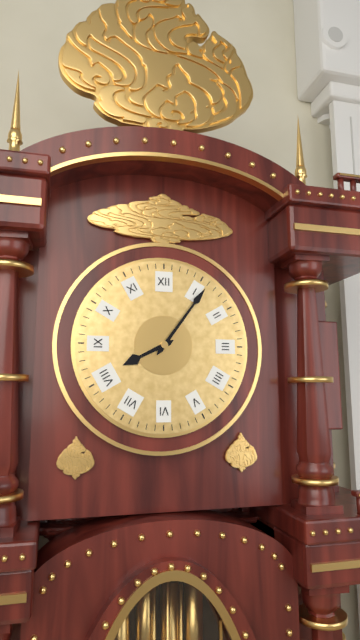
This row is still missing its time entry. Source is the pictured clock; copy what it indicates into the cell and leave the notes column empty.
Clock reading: 8:06
